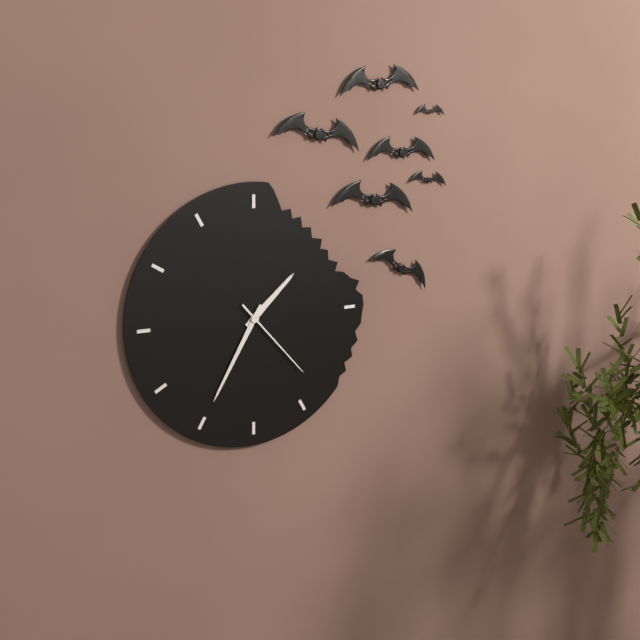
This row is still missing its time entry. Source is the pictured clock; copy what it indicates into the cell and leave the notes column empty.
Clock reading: 1:35:23
